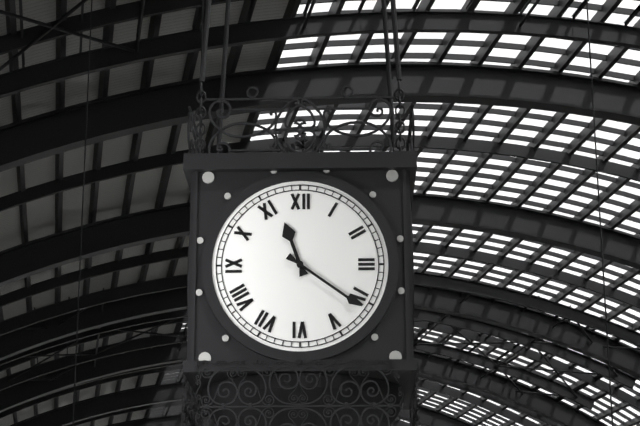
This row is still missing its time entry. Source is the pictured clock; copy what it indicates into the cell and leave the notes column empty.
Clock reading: 11:21
